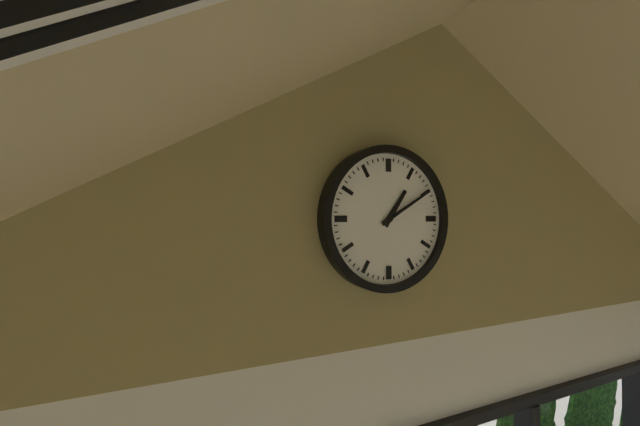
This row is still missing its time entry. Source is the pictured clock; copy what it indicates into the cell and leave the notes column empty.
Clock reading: 1:10
